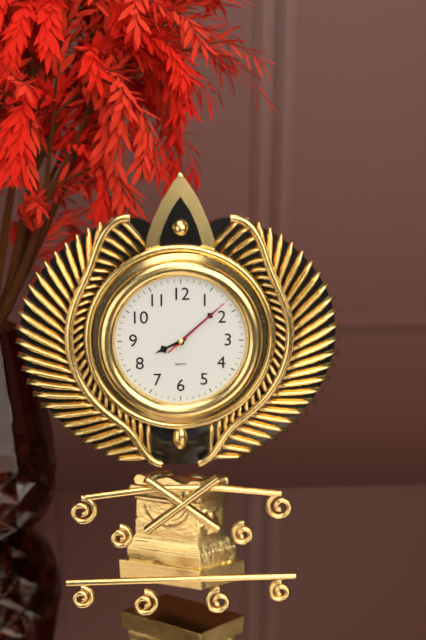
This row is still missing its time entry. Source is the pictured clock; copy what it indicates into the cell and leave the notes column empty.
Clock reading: 8:08:08
